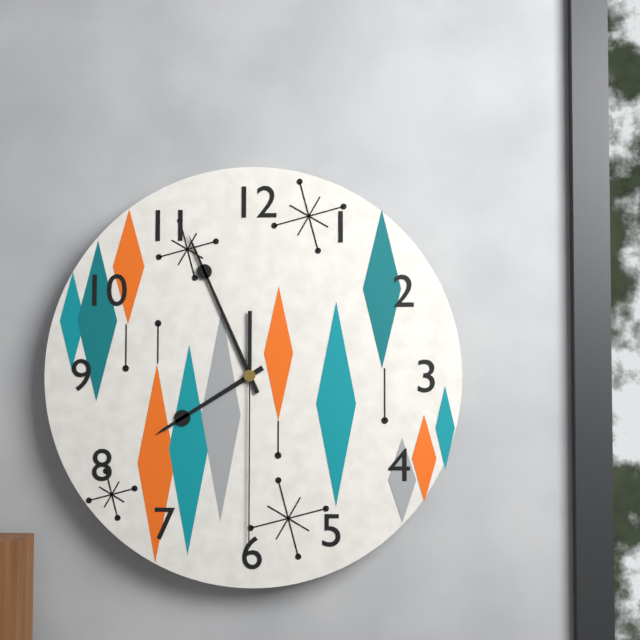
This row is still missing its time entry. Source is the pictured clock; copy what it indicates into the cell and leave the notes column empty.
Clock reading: 7:56:30
